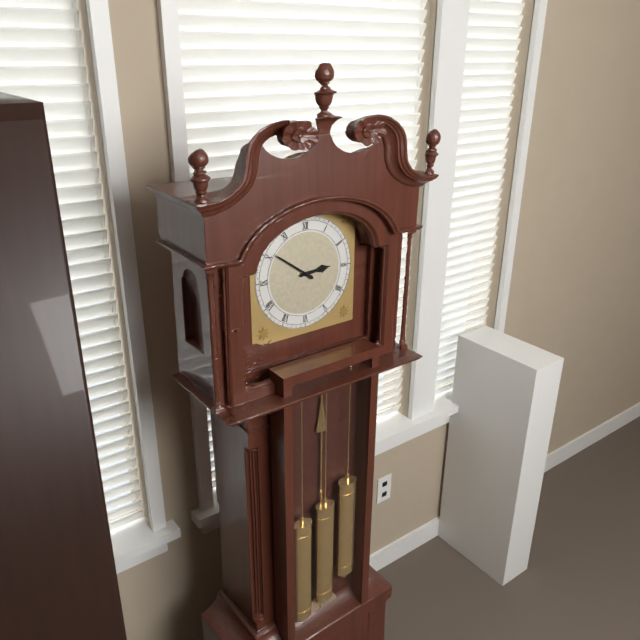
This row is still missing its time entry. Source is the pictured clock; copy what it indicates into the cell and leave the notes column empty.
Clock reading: 2:51
